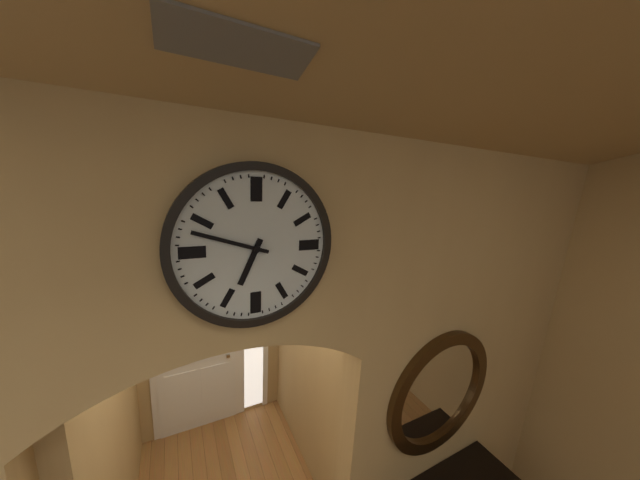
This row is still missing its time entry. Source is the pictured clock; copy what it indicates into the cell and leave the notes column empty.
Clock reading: 6:48
